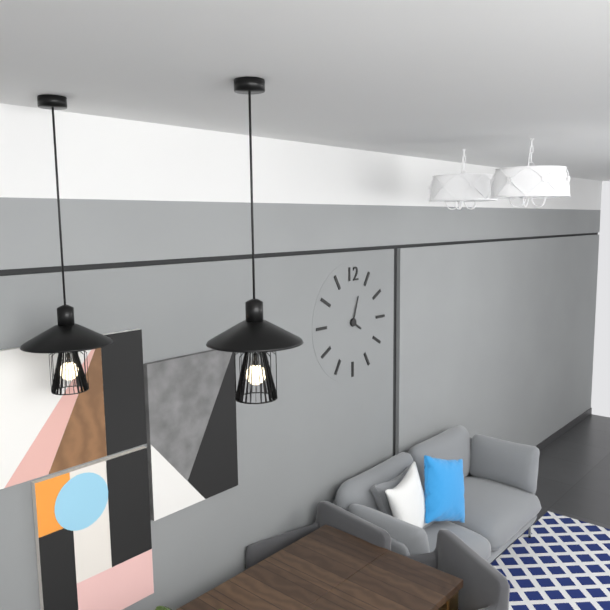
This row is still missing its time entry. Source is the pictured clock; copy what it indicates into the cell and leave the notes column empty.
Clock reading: 4:03
